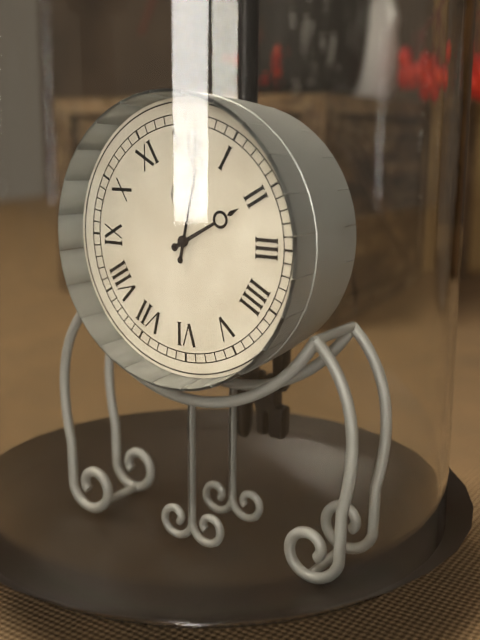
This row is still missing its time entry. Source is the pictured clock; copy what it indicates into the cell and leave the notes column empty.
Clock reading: 2:02
